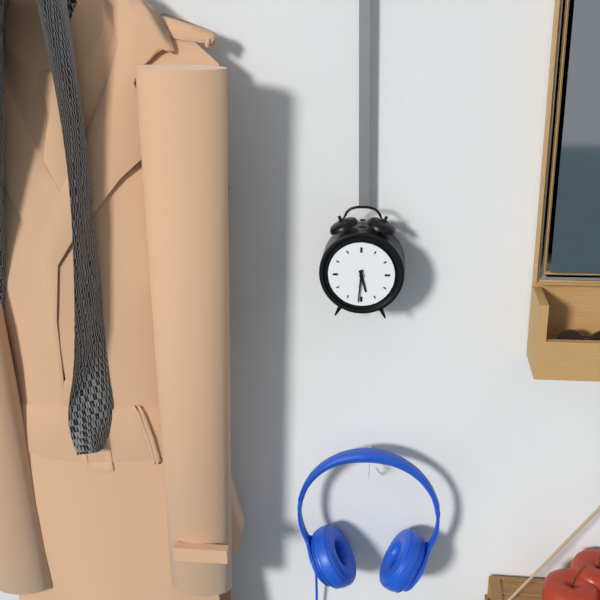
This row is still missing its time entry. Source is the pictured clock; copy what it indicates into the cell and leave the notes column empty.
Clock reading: 5:31
